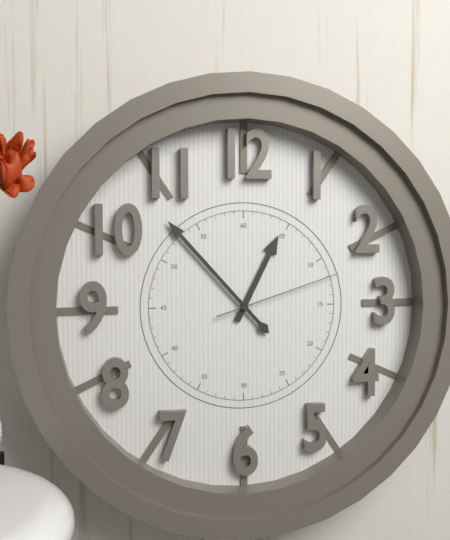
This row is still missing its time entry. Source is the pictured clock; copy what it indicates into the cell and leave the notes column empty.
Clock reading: 12:53:12
